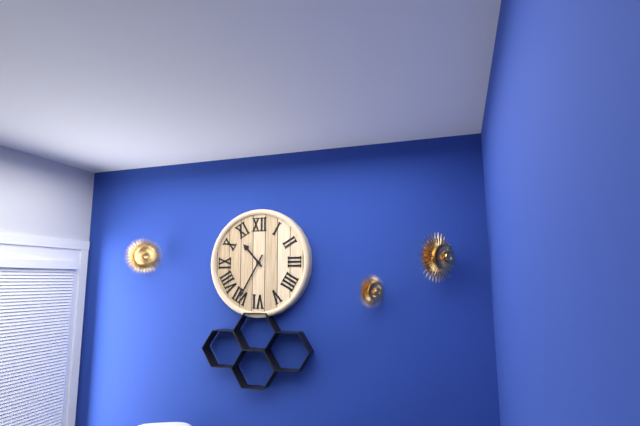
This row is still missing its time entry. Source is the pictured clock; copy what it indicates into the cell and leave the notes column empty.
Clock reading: 10:35
